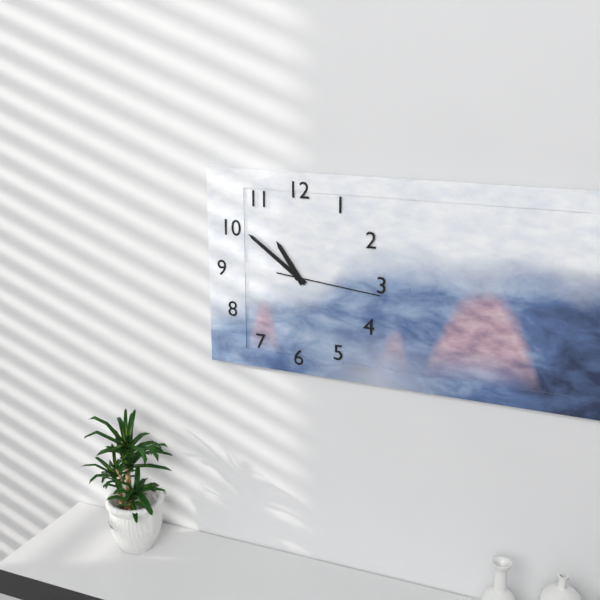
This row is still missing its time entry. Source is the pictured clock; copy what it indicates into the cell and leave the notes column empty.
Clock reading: 10:51:16
